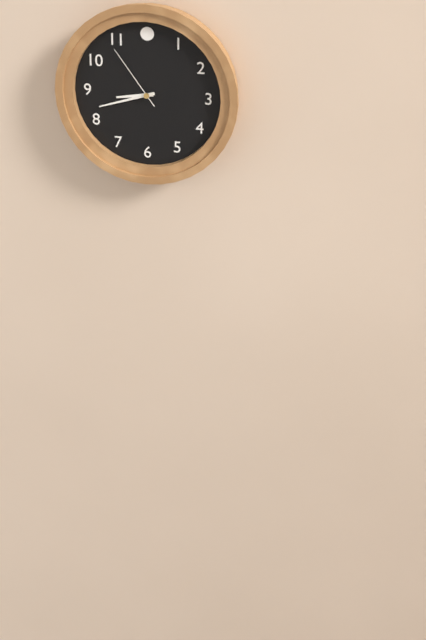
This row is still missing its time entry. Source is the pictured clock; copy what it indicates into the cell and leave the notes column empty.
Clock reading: 8:42:54
